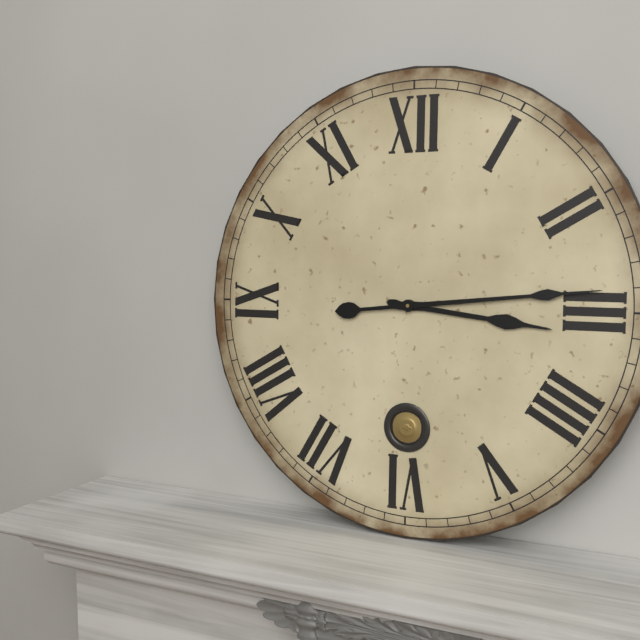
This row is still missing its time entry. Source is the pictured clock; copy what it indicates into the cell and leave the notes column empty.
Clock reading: 3:14
